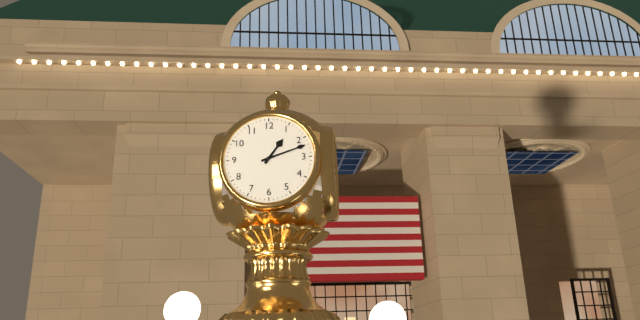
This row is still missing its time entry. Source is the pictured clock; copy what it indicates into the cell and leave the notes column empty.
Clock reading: 1:12
